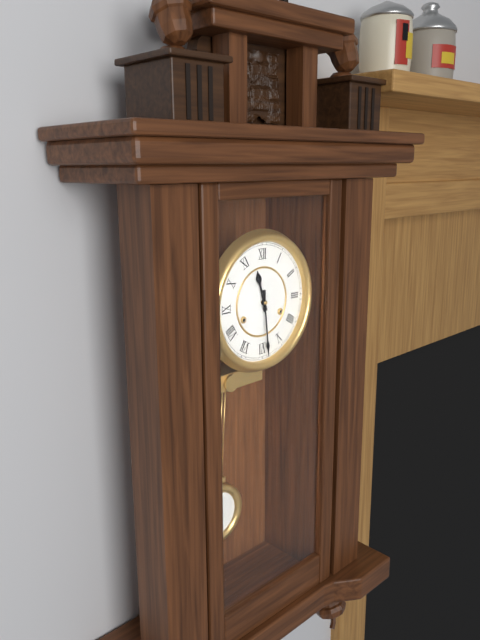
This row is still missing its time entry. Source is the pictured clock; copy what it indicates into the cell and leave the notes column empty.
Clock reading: 11:29
